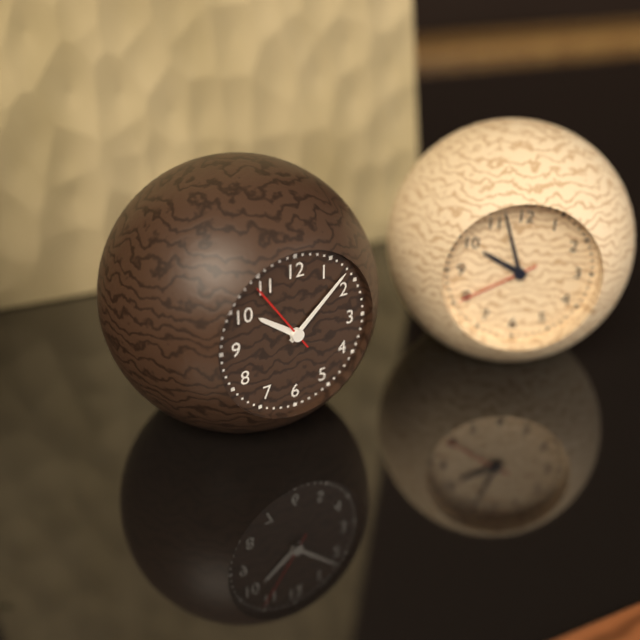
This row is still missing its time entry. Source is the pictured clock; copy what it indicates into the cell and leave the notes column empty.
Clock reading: 10:08:54
